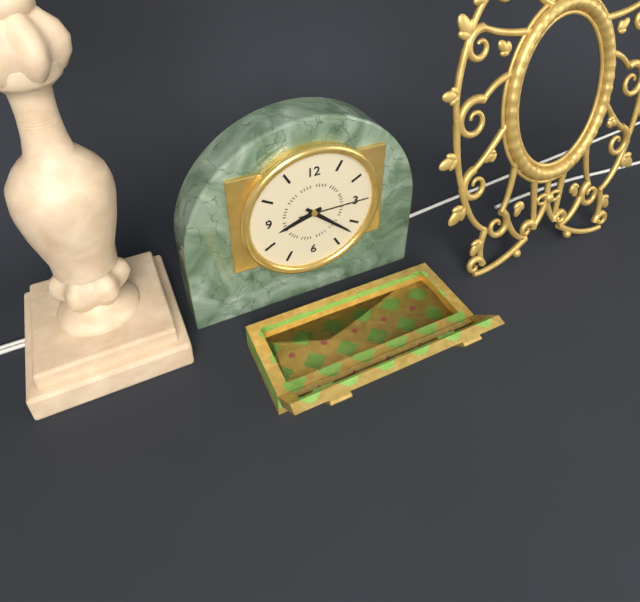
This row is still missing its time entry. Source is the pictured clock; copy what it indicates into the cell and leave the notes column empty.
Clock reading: 8:22:15
